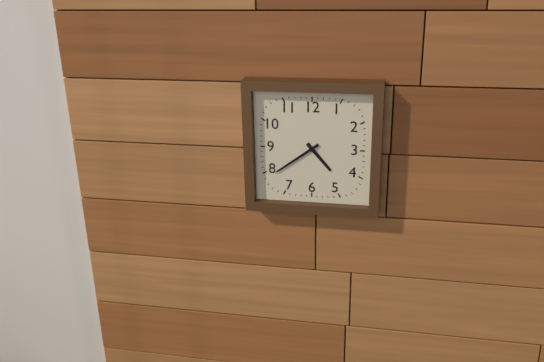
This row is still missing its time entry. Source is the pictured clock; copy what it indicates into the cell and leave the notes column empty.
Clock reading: 4:39
